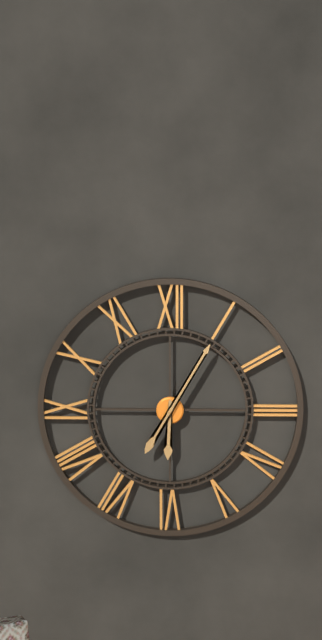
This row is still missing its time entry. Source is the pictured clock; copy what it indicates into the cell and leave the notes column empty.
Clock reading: 6:05
